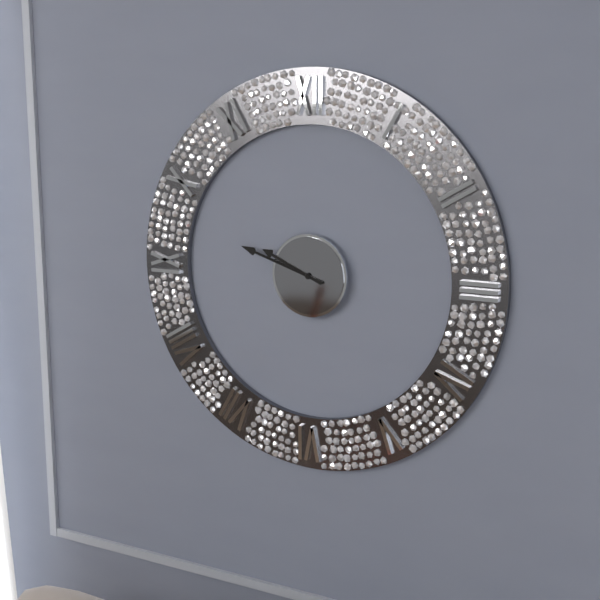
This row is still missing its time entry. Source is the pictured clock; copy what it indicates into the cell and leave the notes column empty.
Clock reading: 9:48
